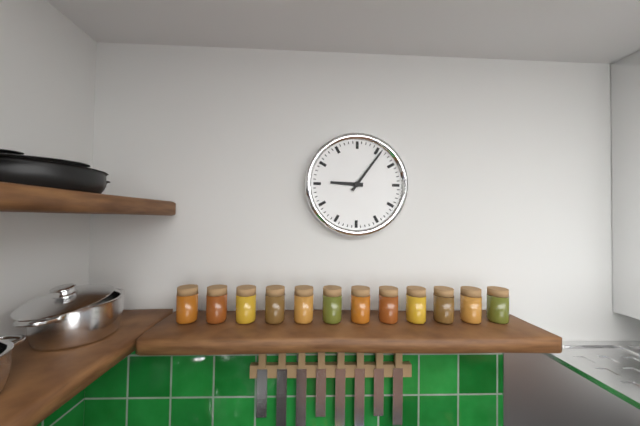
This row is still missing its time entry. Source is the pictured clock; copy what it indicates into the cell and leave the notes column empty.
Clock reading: 9:06
